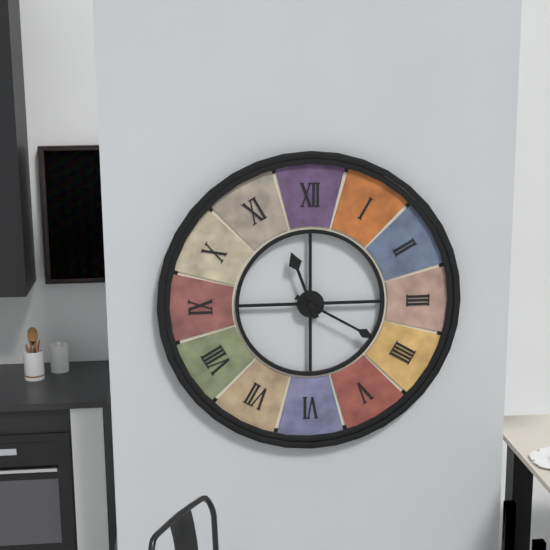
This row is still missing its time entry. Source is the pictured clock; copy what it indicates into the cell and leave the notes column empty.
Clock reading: 11:20
